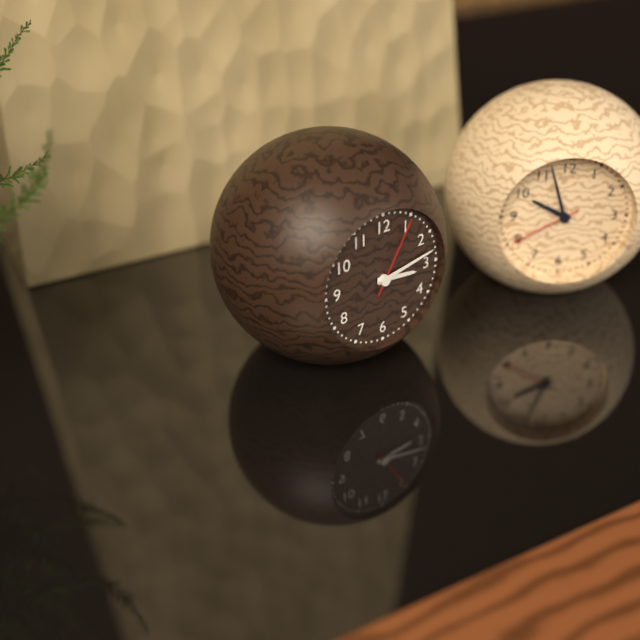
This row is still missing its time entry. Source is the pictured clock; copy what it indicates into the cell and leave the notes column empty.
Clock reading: 3:13:05
